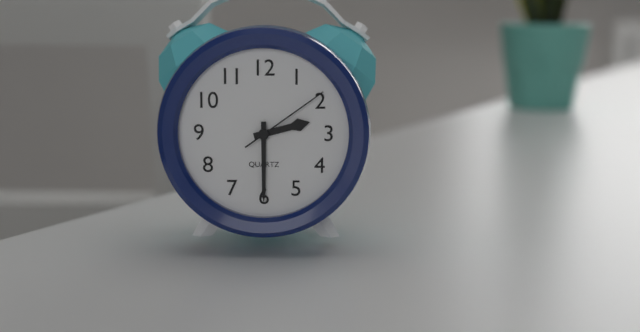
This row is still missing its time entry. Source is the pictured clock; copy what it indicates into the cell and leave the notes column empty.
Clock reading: 2:30:09
